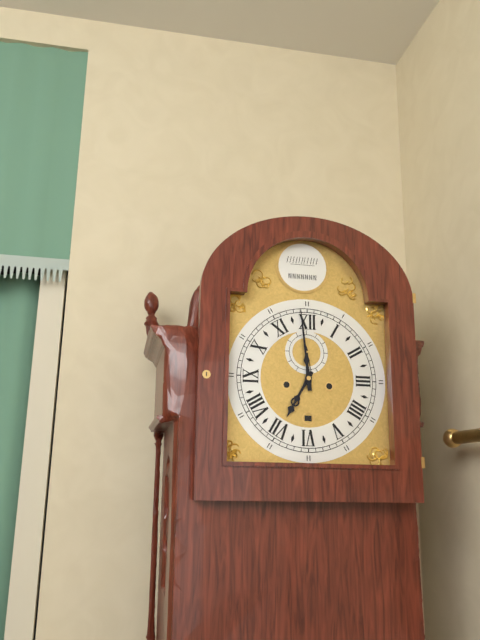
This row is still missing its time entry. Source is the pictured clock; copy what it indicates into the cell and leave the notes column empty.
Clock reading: 6:59
